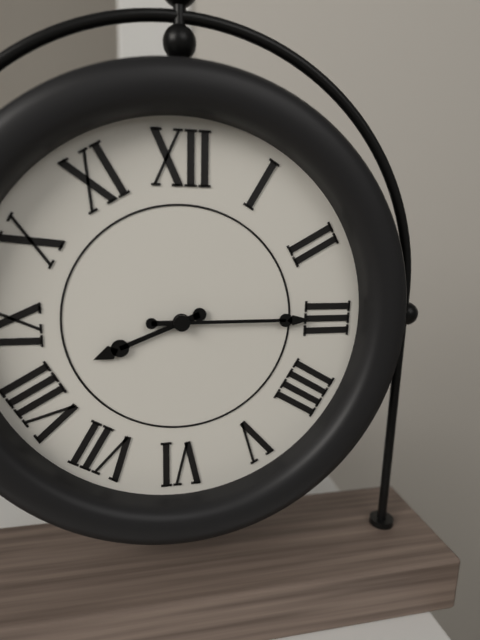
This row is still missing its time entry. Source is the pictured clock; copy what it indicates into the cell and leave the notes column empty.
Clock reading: 8:15
